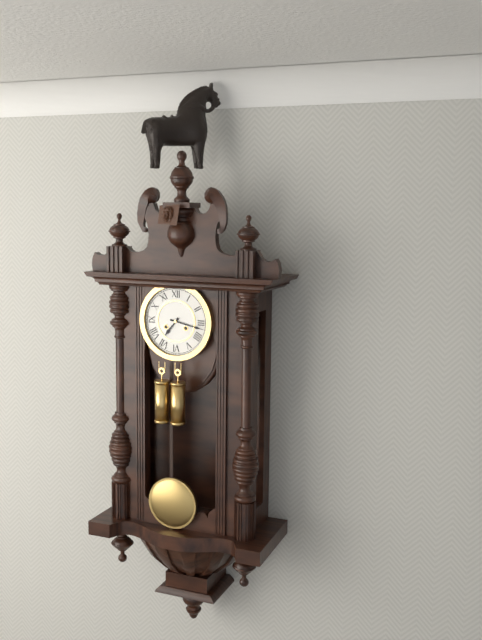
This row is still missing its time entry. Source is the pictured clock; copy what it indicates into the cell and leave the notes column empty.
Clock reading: 7:17
